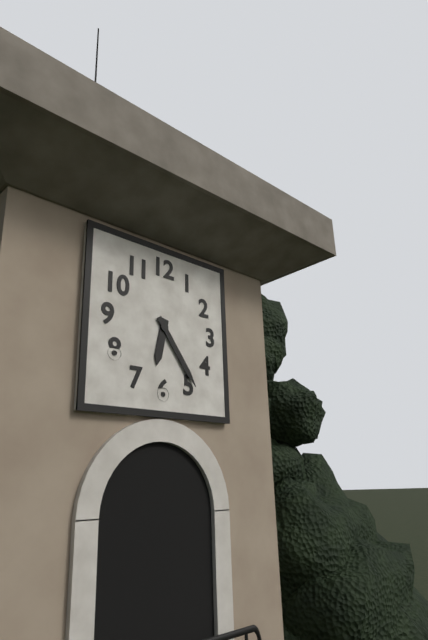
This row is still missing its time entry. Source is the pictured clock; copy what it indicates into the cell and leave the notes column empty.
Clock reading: 6:24
